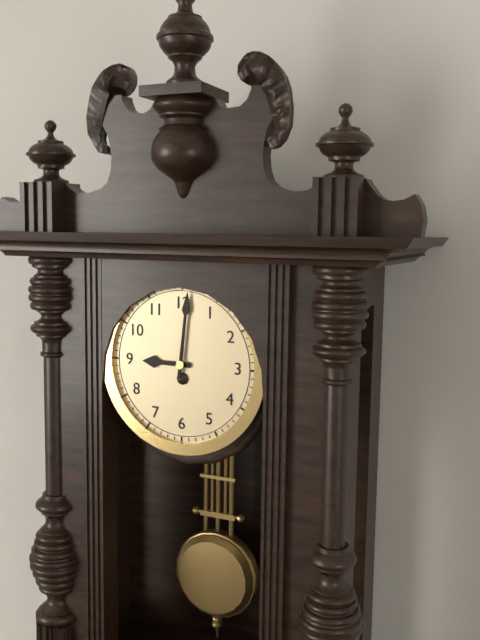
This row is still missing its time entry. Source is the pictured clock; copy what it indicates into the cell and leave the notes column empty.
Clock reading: 9:01
